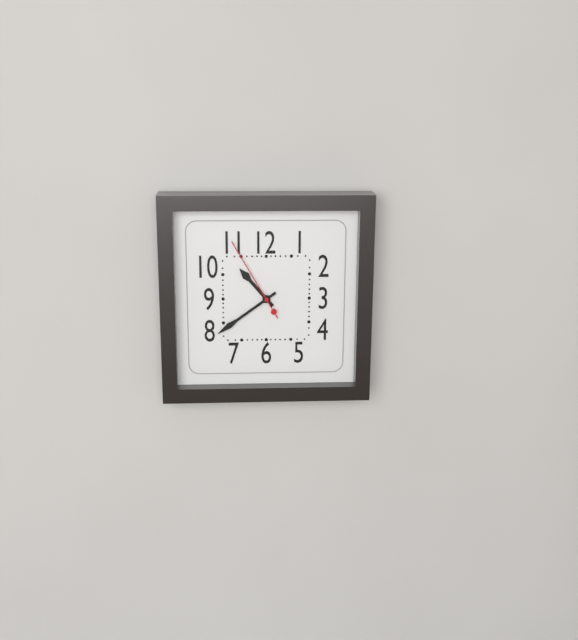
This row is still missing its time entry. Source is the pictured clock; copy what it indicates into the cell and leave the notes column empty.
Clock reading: 10:39:55
